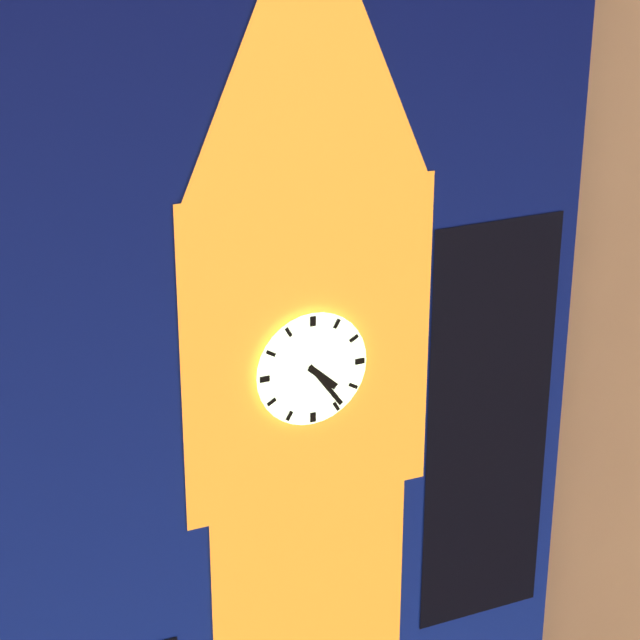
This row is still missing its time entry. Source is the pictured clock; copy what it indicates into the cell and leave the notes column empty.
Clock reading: 4:24
